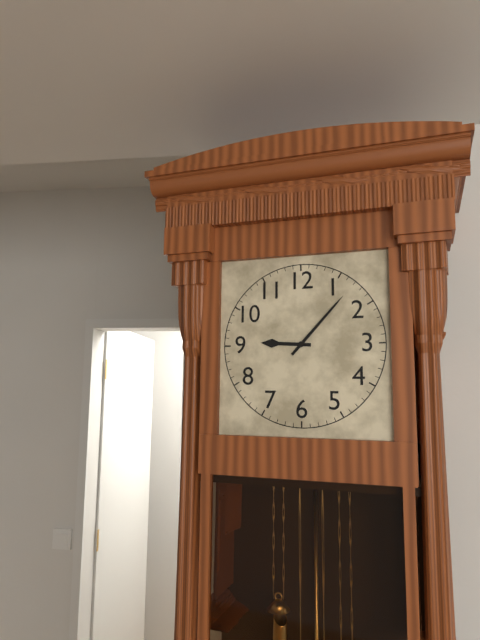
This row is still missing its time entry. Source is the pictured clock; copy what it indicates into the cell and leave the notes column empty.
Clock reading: 9:07
